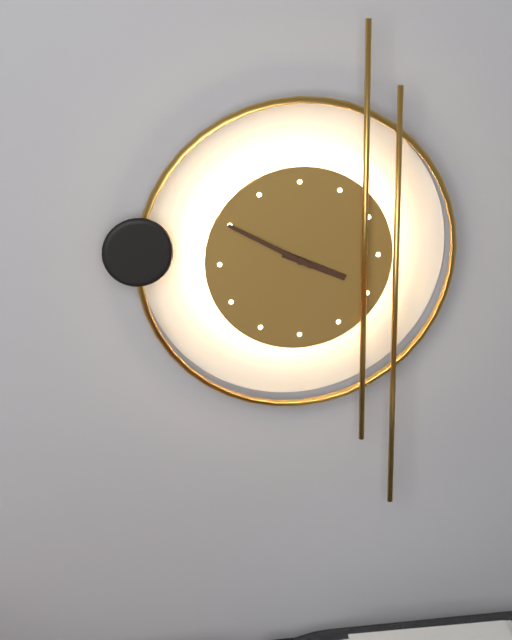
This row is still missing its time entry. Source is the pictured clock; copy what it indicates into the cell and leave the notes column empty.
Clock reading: 3:50
